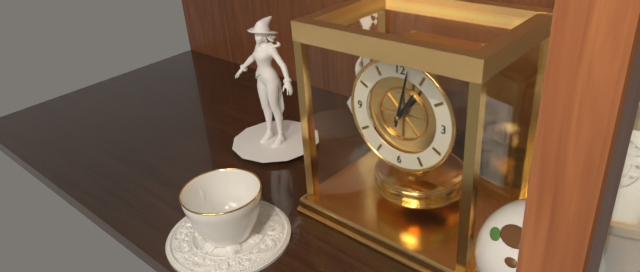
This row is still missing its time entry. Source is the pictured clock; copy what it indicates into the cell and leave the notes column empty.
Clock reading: 1:02
